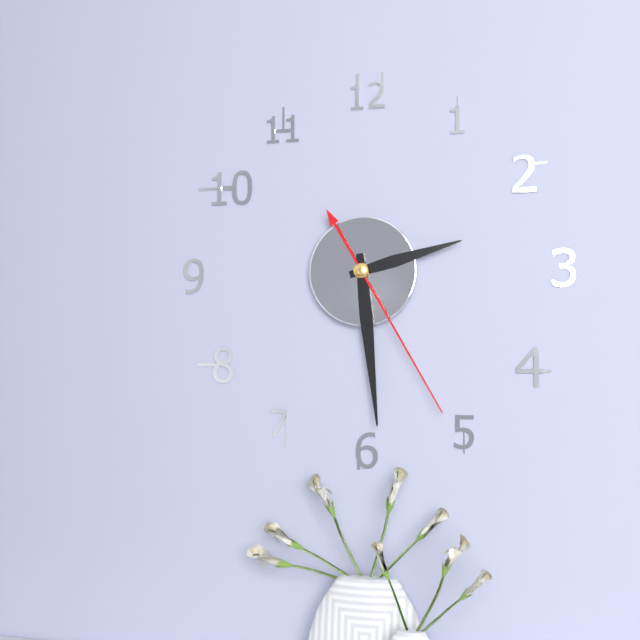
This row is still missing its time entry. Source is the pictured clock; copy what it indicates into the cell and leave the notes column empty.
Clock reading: 2:29:25
